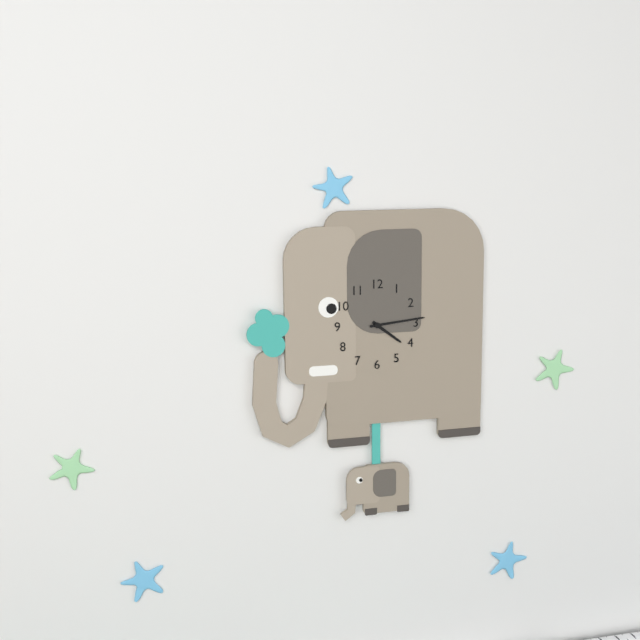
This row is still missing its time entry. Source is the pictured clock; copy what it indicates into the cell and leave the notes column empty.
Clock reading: 4:14
